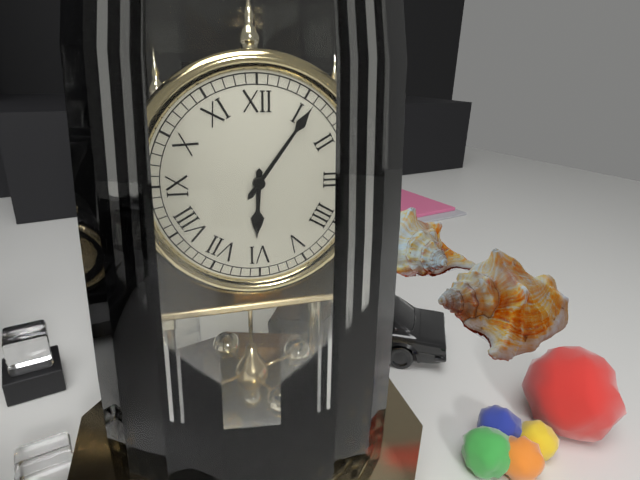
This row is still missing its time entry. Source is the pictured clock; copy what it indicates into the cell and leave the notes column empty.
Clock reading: 6:06
